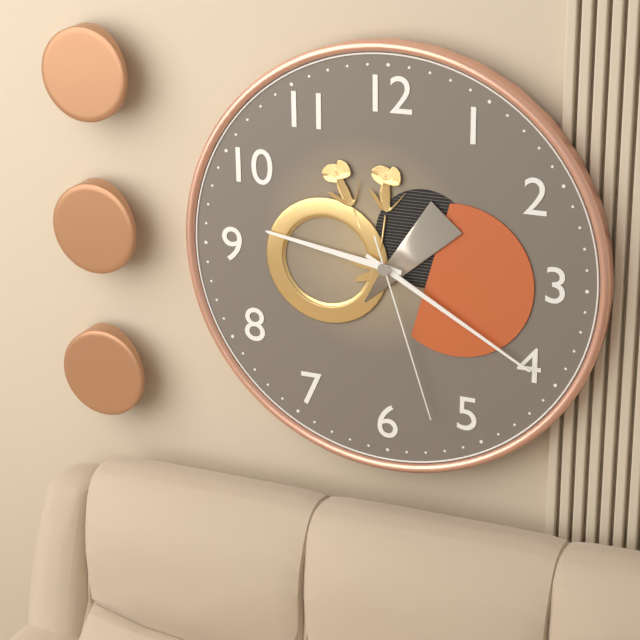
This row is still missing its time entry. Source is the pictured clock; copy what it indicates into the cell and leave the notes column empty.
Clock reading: 9:20:27
